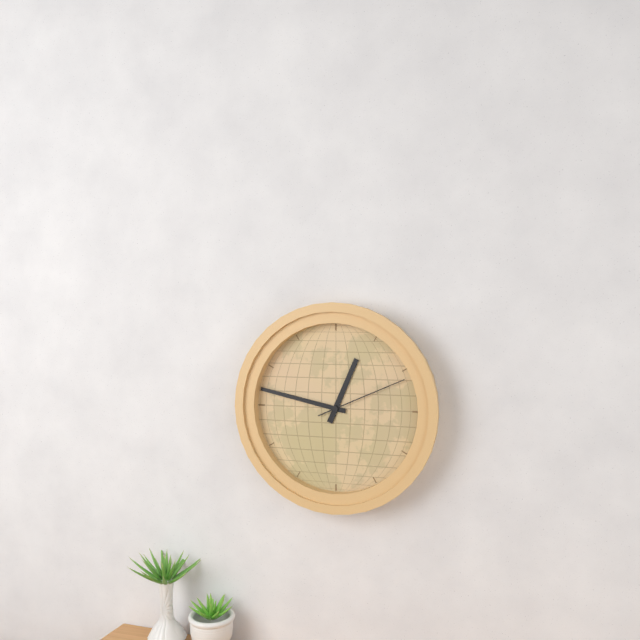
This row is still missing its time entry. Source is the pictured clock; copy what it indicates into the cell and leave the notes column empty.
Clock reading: 12:47:11
